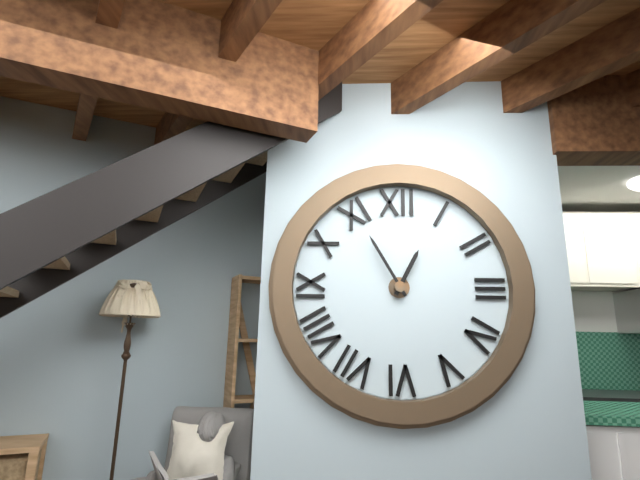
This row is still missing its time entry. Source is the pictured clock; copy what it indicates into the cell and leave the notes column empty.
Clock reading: 12:55
